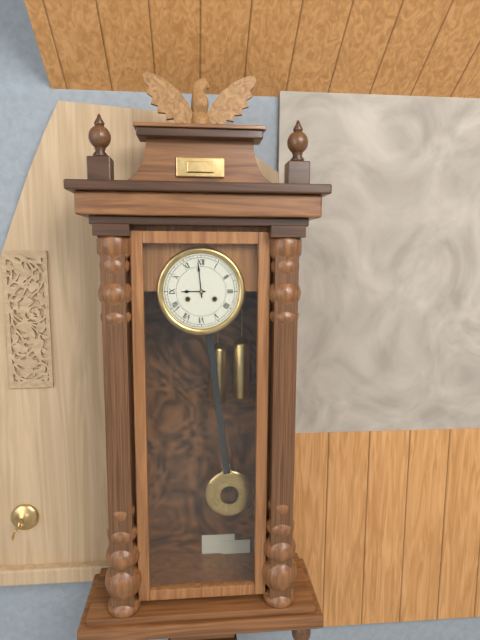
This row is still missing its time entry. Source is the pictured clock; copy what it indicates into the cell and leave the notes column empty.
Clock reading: 8:59
